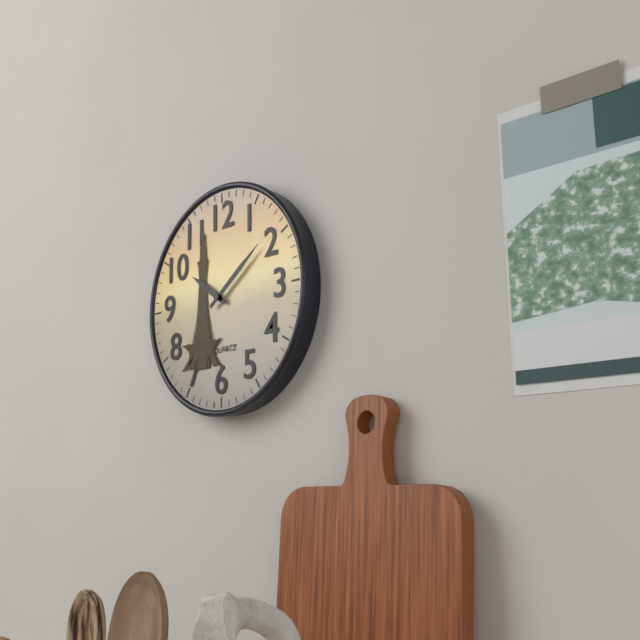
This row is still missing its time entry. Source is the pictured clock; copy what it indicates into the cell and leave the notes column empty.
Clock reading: 10:09
